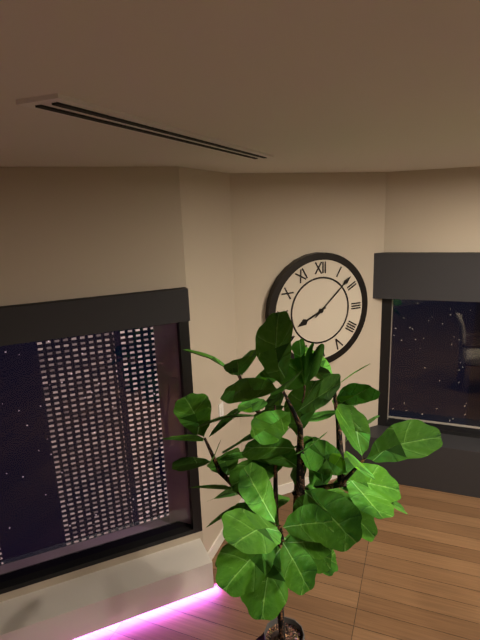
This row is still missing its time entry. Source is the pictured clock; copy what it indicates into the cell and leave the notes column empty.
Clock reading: 8:08
